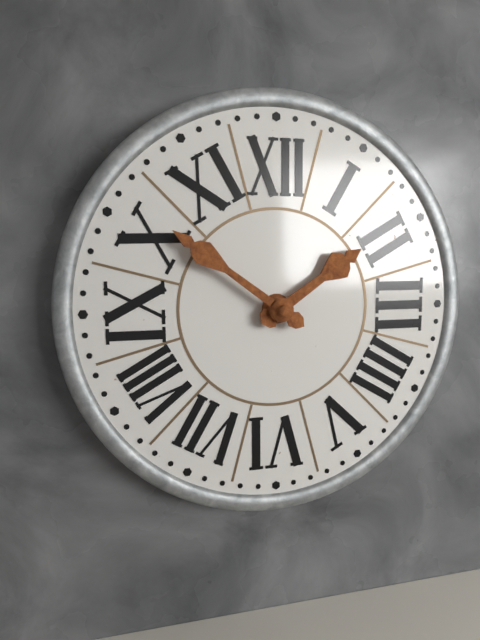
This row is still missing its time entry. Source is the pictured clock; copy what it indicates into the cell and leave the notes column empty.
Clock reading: 1:51
